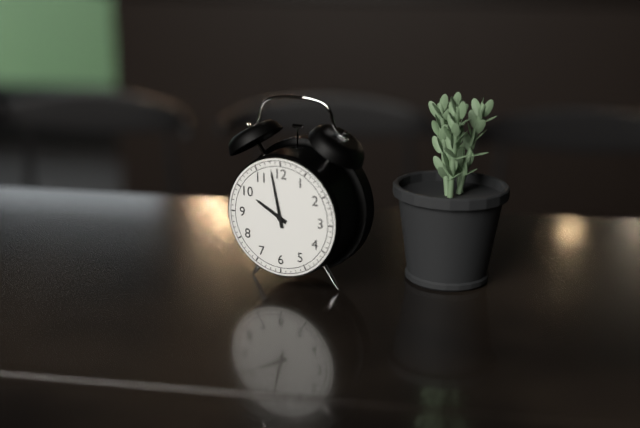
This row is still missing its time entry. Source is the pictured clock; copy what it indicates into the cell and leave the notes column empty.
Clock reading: 9:58
